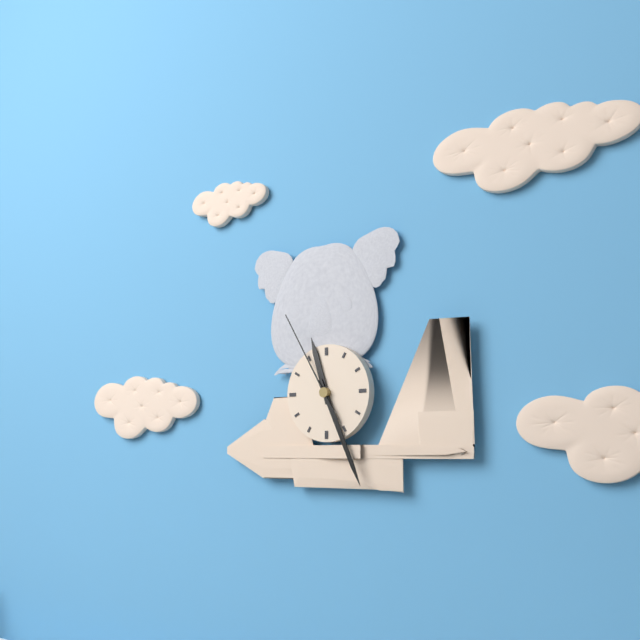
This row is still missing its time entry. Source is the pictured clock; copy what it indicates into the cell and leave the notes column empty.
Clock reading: 11:26:55
